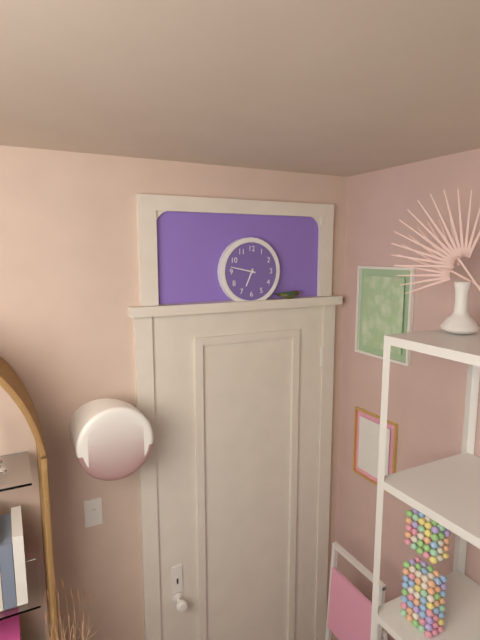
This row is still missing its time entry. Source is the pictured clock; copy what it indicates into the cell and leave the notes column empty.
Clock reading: 6:47
